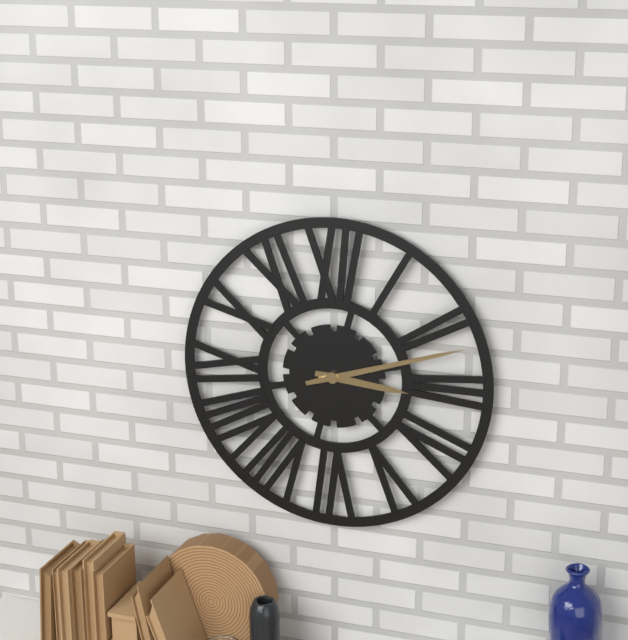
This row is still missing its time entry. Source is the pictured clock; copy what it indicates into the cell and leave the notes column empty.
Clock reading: 3:12
